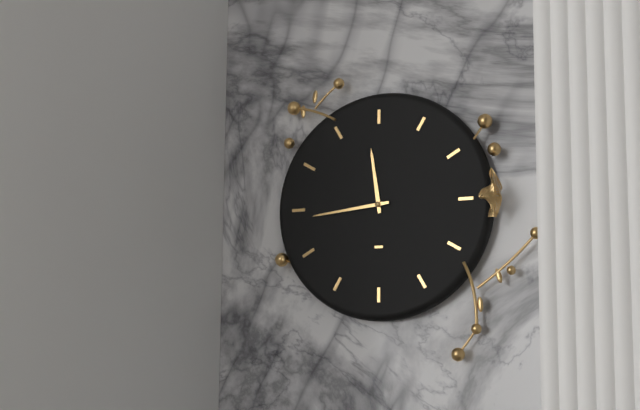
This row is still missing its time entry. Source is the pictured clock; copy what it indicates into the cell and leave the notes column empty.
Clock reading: 11:44
